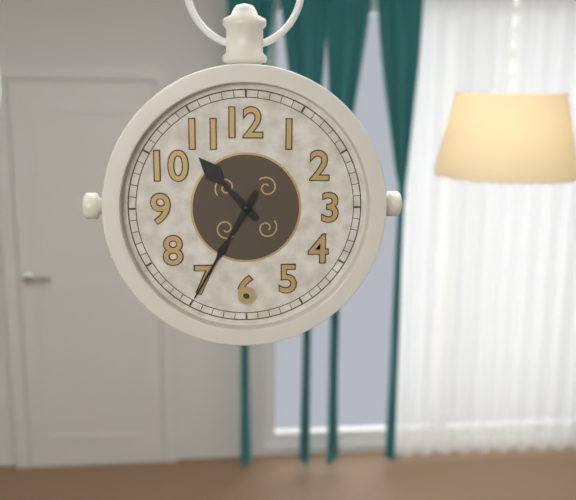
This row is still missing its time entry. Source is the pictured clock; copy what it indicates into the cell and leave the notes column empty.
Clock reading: 10:35
